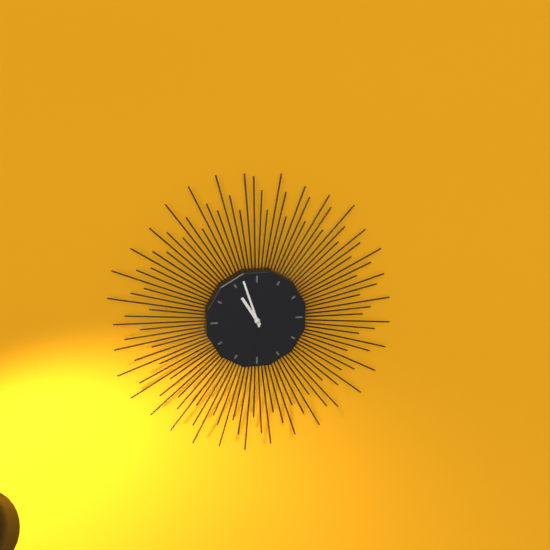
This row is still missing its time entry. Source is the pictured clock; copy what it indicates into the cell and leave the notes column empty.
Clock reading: 10:57
